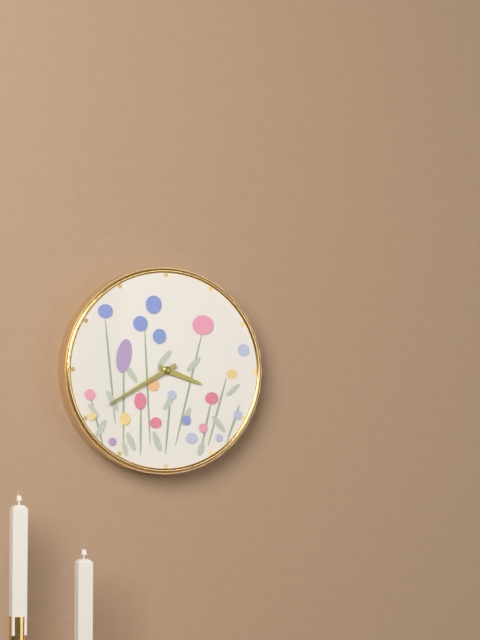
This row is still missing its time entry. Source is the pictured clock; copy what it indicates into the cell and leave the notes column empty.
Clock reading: 3:40
